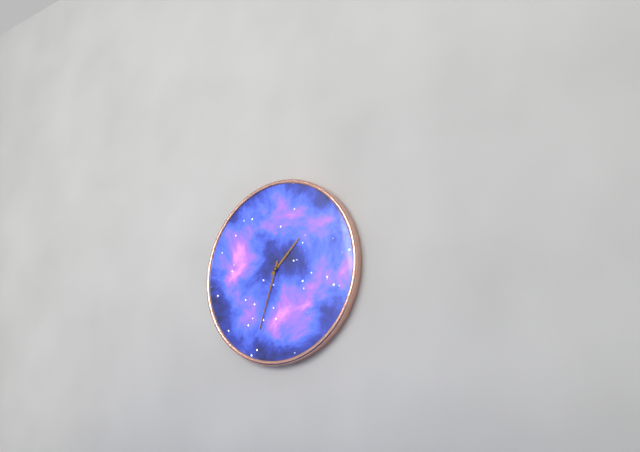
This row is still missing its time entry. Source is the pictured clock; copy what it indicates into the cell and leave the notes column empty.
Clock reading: 1:33
